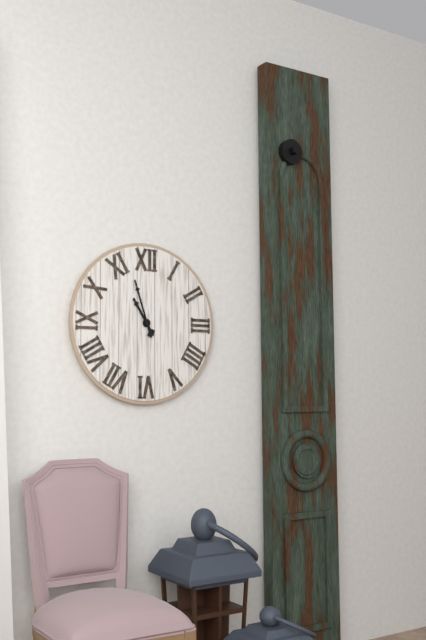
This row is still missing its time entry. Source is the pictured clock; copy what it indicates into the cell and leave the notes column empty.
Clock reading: 10:57
